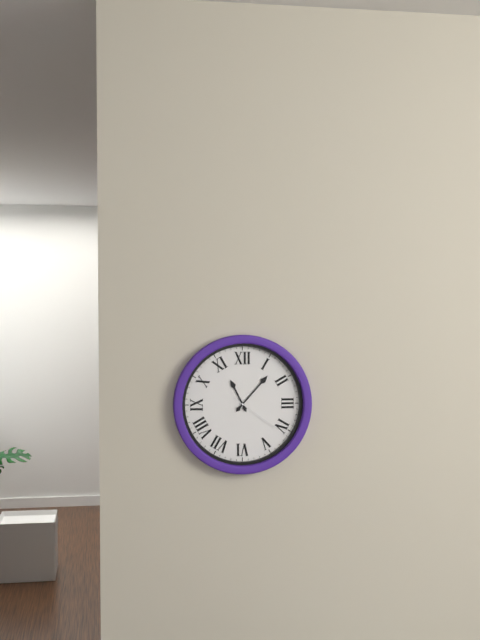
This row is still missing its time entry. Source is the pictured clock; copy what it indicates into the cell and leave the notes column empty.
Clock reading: 11:07:21
